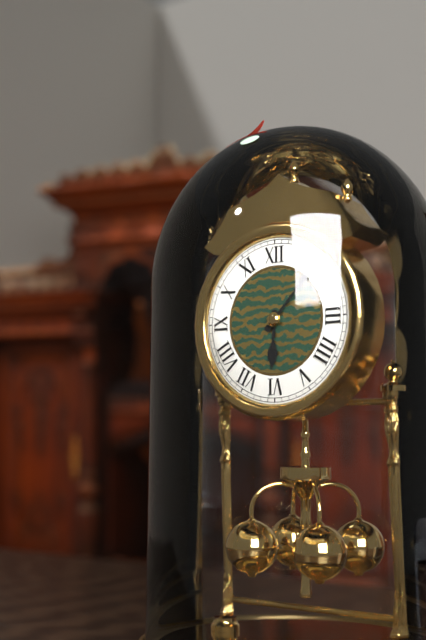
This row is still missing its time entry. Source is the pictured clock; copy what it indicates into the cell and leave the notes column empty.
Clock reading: 6:07
